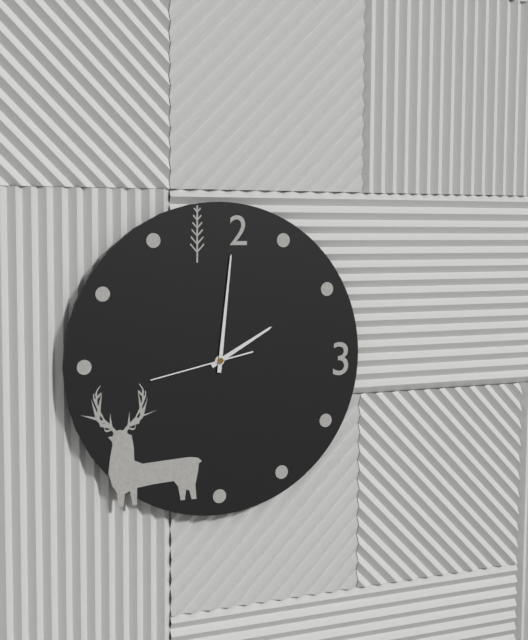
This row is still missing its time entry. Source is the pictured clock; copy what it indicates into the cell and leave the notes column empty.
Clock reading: 2:01:43
